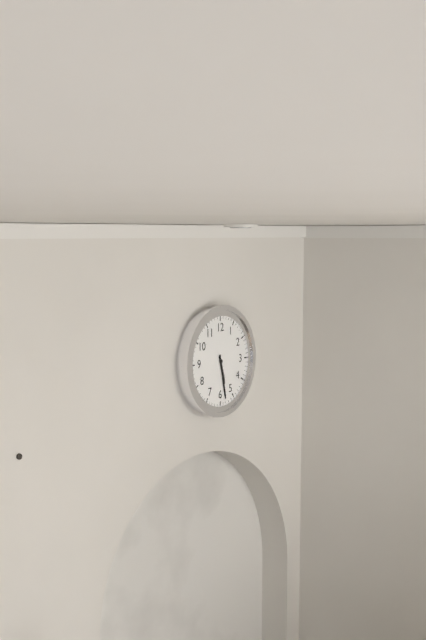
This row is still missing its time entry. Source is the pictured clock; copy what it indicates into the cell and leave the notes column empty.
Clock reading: 5:28
